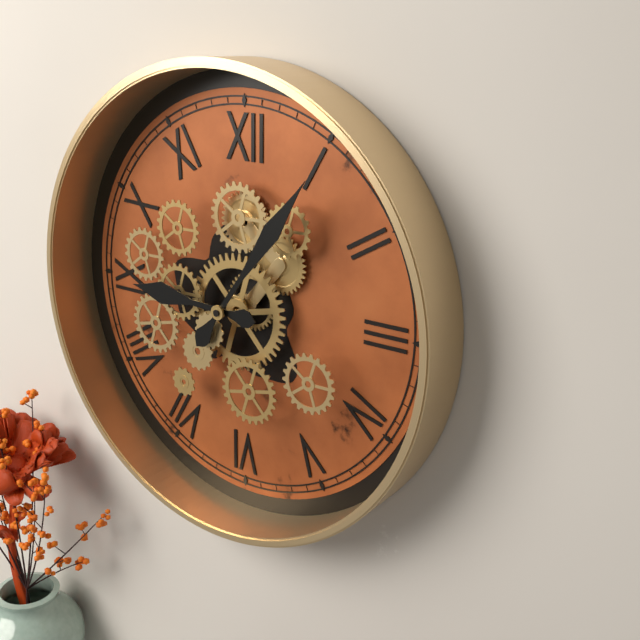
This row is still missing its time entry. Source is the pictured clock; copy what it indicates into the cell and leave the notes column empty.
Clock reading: 9:06
